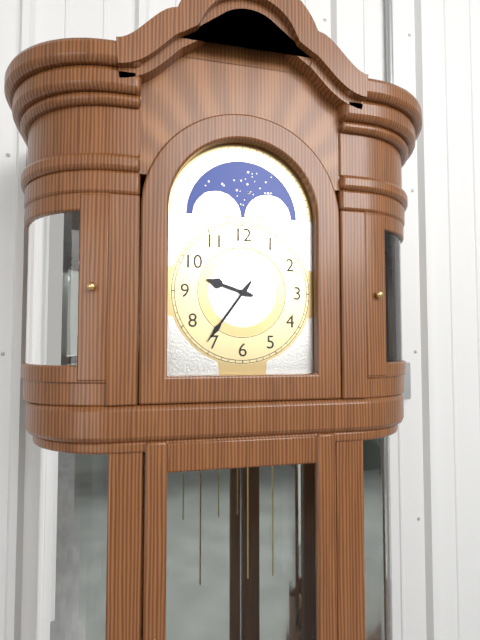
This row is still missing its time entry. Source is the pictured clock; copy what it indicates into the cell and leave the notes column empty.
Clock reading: 9:36
